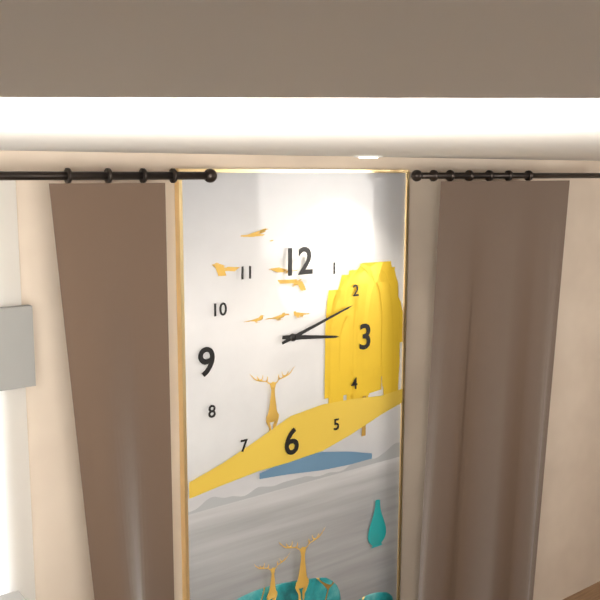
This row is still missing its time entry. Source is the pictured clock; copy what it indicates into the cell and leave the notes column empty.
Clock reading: 3:12
